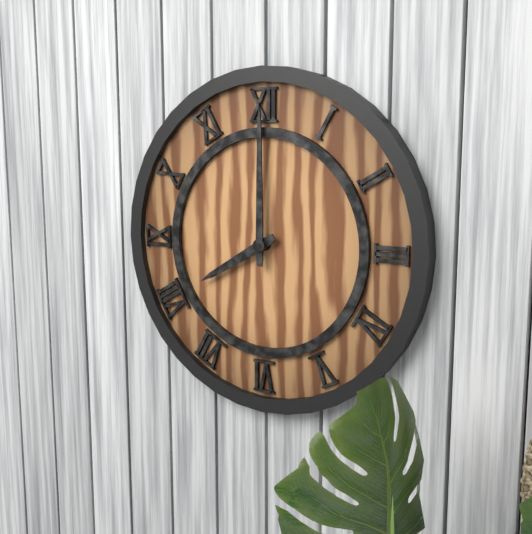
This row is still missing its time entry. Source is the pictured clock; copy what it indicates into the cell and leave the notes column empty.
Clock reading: 8:00
